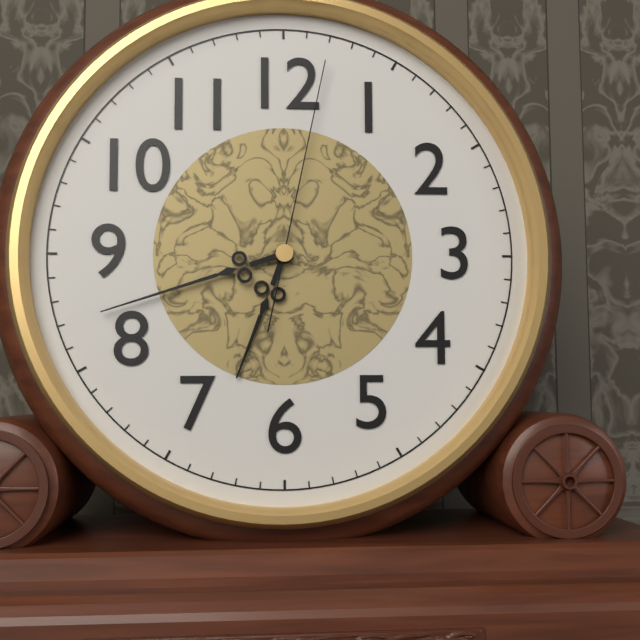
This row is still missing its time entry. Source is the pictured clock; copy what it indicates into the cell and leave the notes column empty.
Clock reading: 6:42:02
